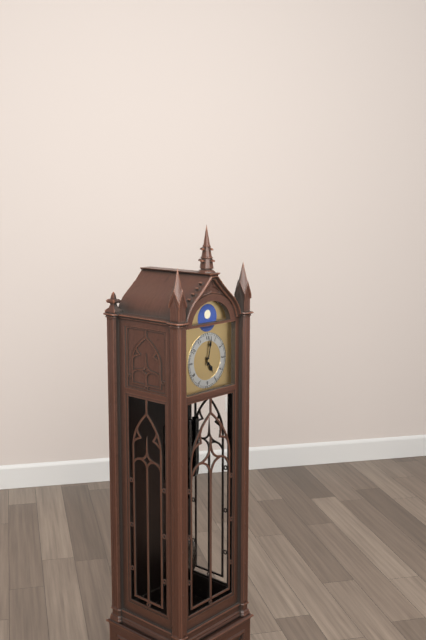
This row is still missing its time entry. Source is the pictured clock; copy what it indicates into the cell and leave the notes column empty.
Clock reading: 5:02
